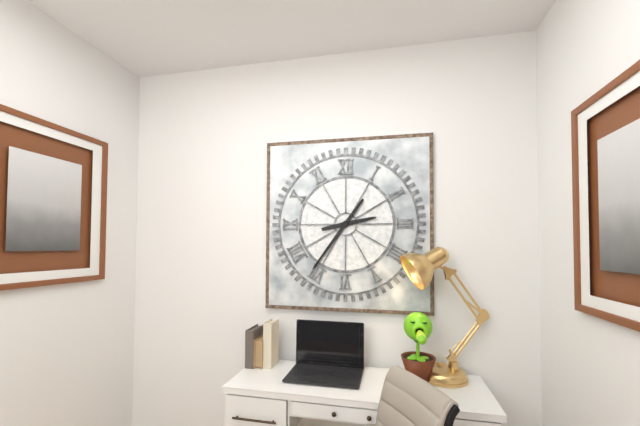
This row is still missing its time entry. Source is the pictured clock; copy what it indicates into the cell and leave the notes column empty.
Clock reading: 2:36
